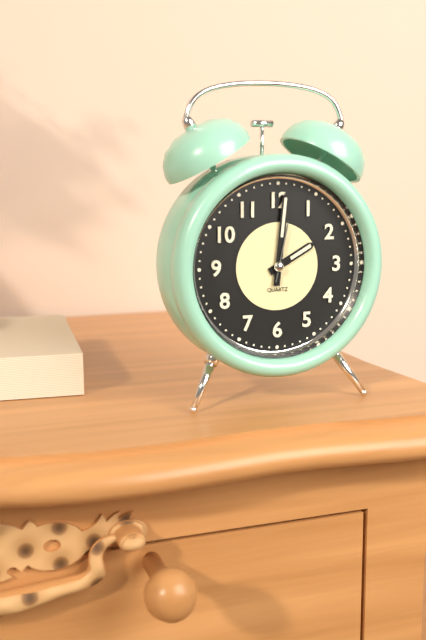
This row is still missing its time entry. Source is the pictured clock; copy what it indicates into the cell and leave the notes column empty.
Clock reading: 2:01:02
